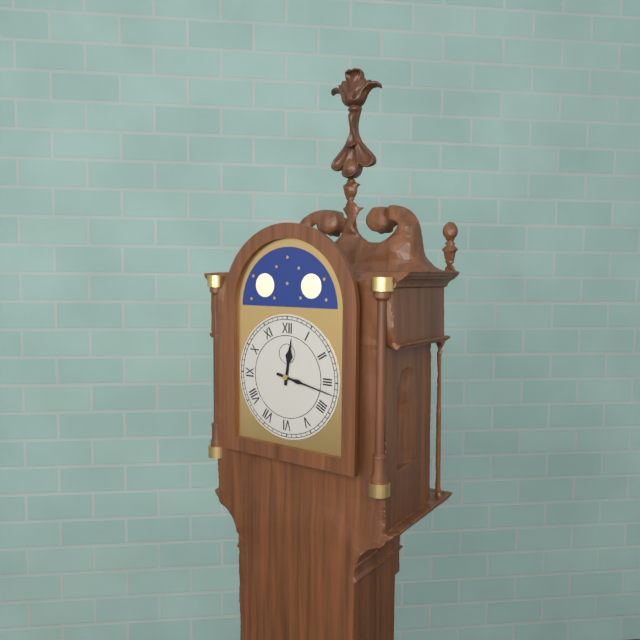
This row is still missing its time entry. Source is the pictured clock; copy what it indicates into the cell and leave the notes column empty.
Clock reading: 12:17
